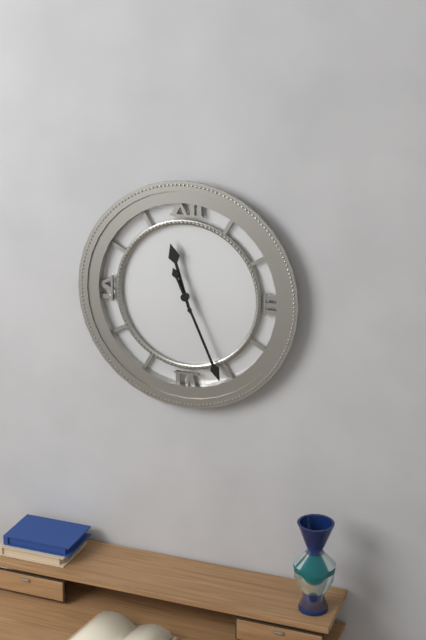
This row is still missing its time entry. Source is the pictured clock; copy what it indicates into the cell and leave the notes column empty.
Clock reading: 11:26
